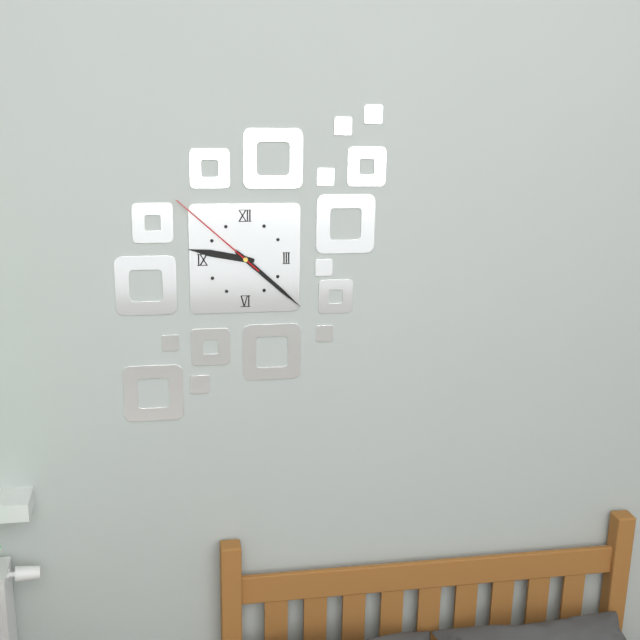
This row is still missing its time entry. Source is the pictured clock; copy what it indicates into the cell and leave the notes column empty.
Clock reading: 9:22:52
